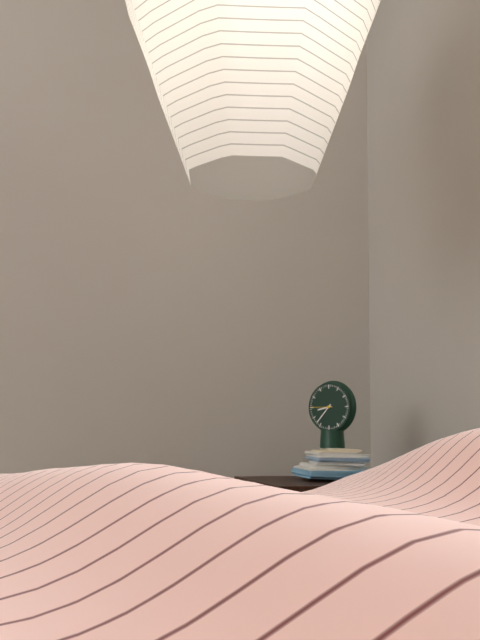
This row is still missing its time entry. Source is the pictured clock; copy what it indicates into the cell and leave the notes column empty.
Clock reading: 8:37
